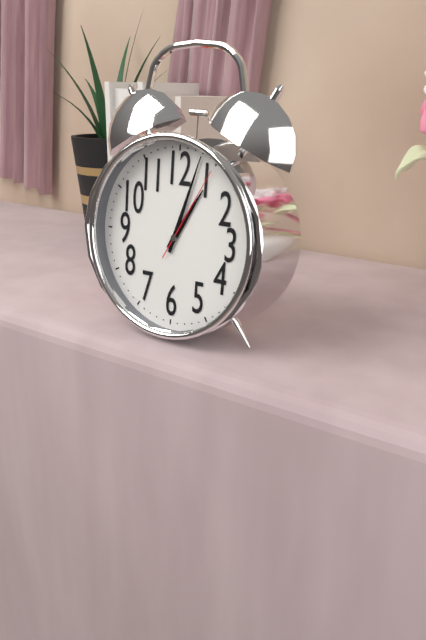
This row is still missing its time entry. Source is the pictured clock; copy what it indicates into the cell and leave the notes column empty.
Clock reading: 1:03:05
